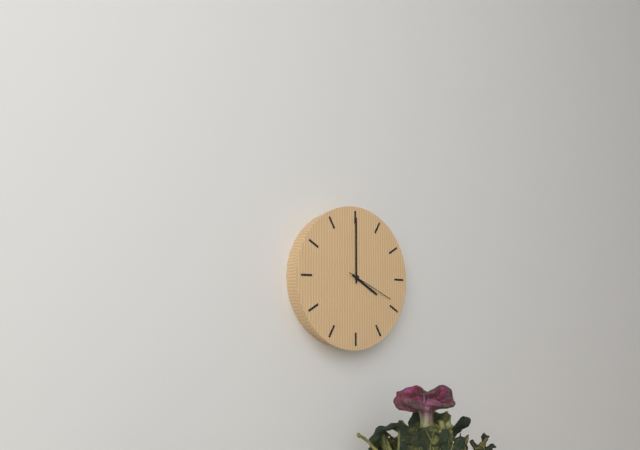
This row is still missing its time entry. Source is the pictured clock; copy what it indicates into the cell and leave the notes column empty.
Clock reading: 4:00:19
